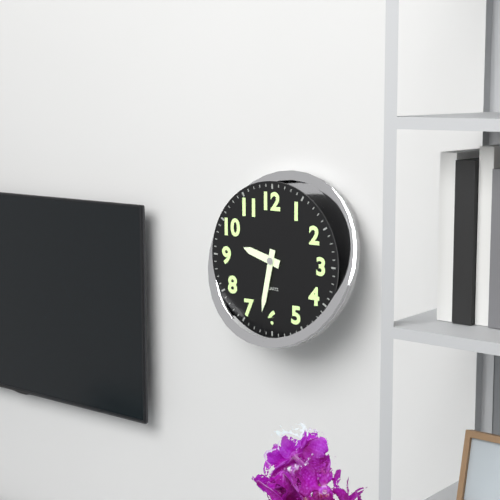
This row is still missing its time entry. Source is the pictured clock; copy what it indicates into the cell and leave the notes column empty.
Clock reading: 9:32
